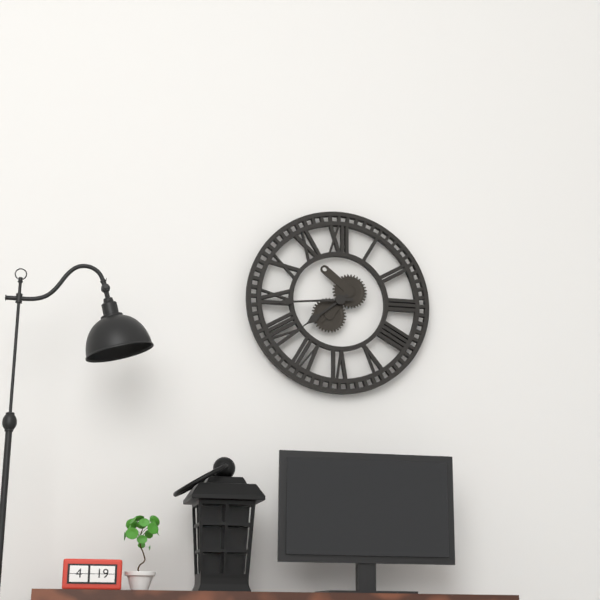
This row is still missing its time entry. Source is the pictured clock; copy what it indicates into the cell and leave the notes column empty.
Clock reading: 7:44
